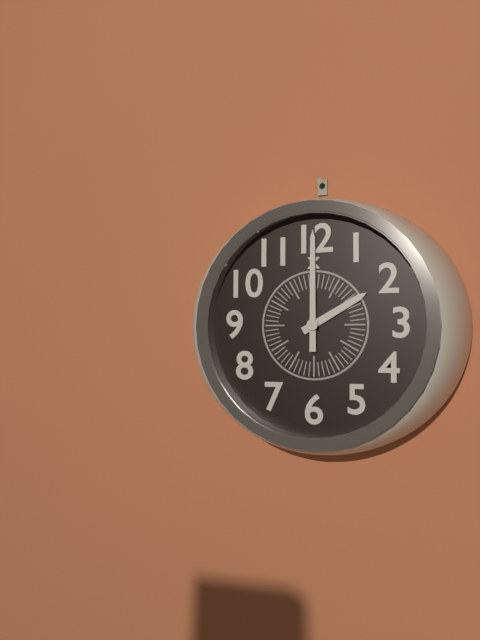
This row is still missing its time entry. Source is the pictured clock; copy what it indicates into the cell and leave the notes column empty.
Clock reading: 2:00
